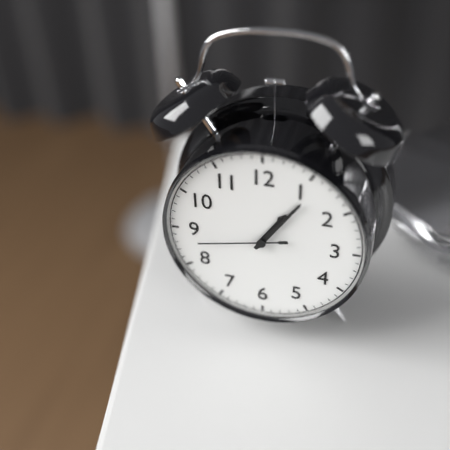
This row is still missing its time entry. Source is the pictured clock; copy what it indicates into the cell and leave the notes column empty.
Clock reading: 1:06:43
